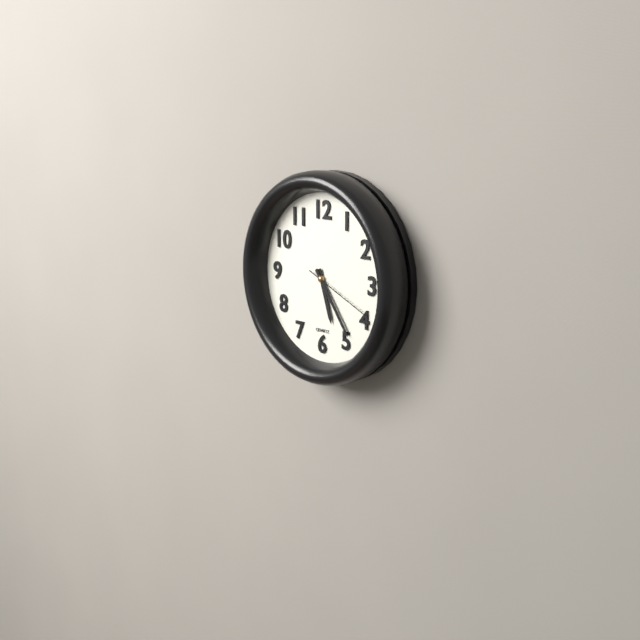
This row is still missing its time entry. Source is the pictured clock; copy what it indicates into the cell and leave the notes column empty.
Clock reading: 5:24:19
